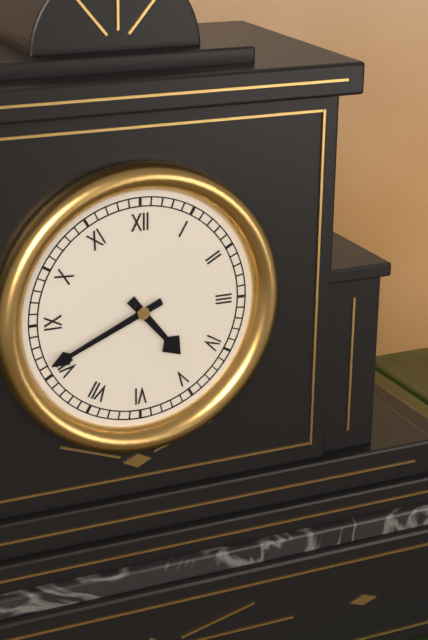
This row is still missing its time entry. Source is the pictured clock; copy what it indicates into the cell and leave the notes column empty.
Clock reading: 4:41
